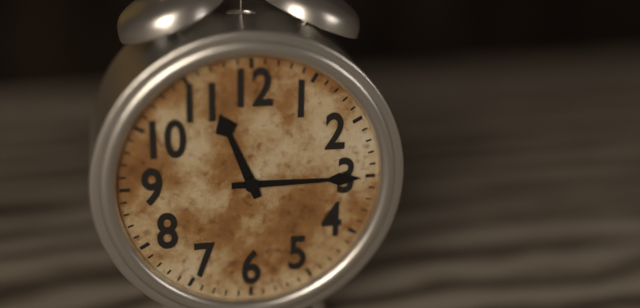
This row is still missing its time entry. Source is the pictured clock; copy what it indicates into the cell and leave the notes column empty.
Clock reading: 11:15
